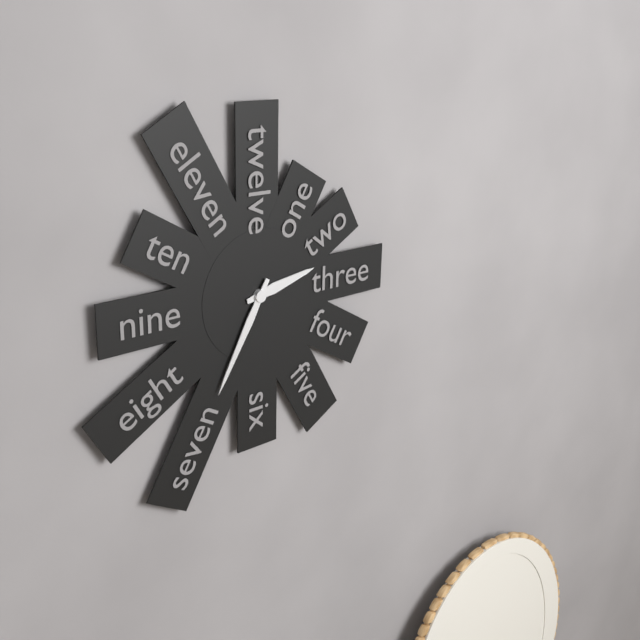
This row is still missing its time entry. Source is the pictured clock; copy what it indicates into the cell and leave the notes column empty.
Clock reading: 2:35
